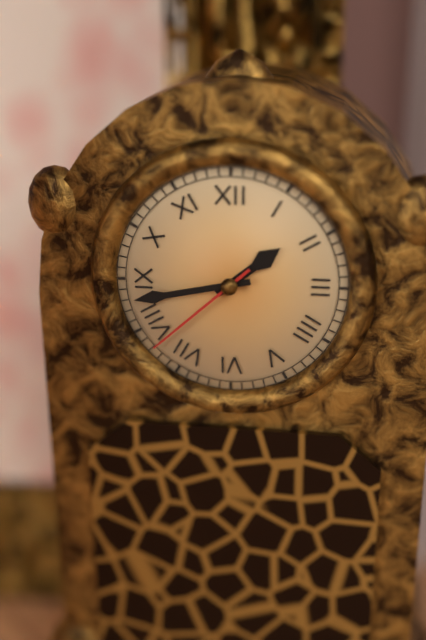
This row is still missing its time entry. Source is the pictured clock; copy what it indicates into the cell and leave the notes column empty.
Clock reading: 1:43:38
